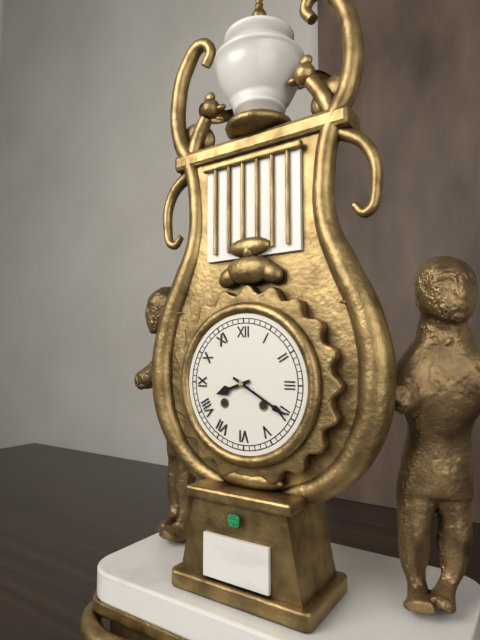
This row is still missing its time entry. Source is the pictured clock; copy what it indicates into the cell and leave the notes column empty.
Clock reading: 8:20
